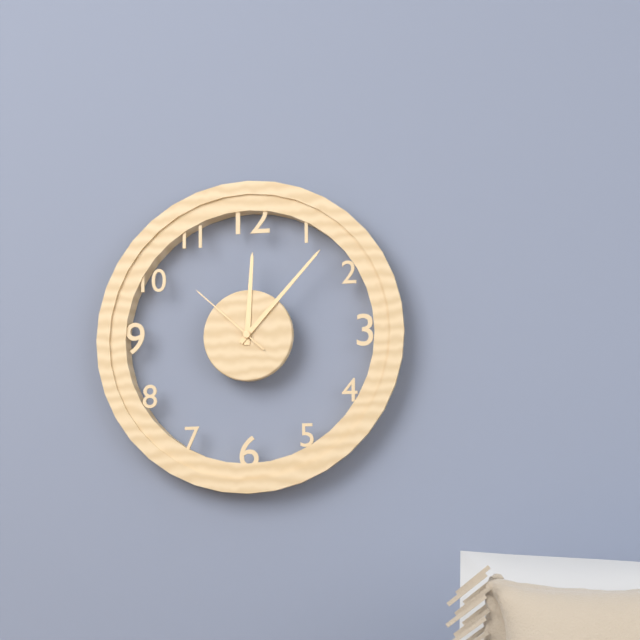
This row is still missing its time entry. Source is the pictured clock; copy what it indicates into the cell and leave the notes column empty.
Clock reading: 12:07:52
